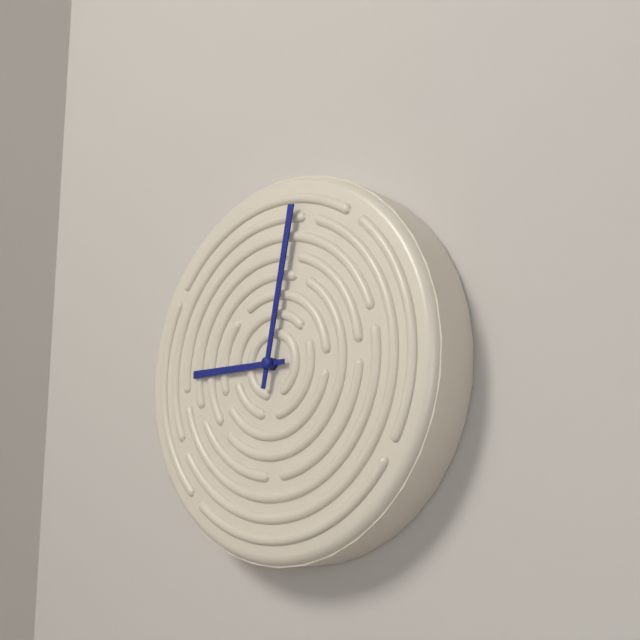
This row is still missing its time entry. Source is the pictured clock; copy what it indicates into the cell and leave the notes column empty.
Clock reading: 9:02
